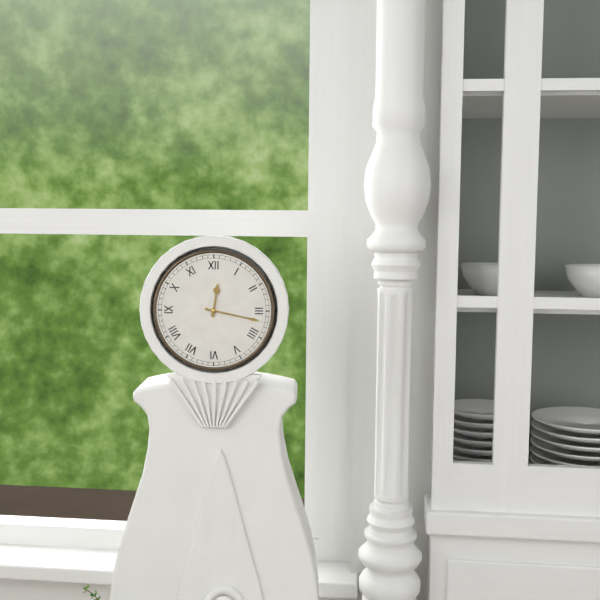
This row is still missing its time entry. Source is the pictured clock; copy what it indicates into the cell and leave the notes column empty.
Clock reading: 12:17
